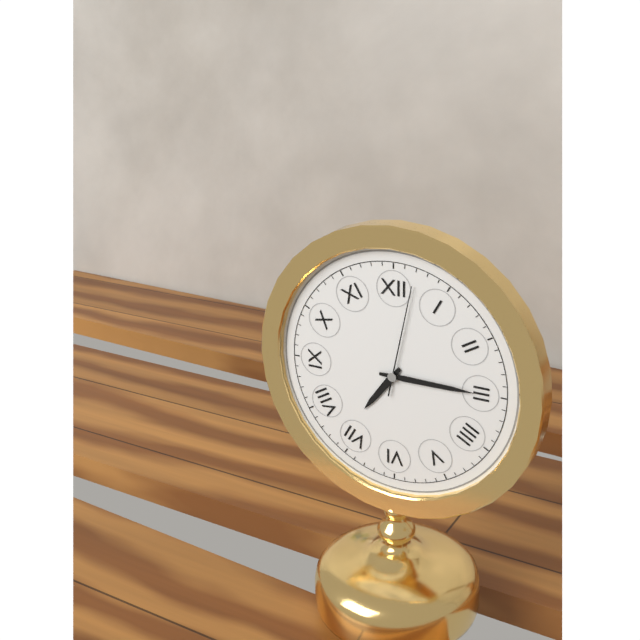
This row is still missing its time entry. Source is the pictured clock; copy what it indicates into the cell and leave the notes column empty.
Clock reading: 7:15:02
